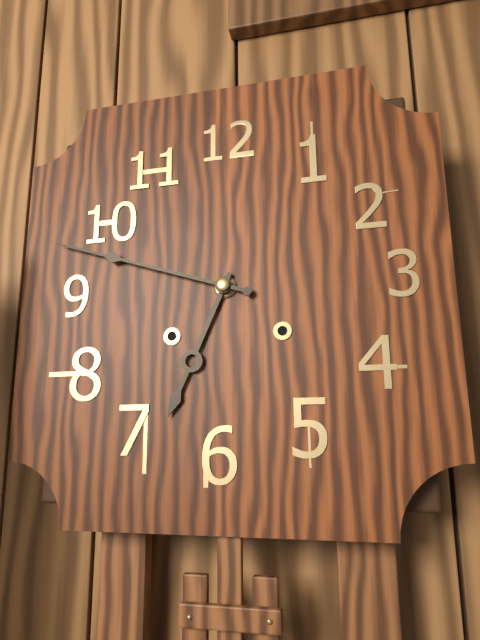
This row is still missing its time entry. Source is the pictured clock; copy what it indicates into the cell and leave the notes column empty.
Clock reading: 6:48
